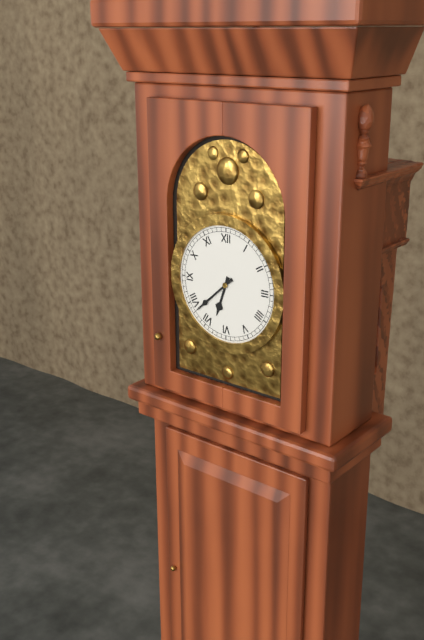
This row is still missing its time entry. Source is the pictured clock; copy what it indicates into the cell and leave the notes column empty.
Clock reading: 6:38
